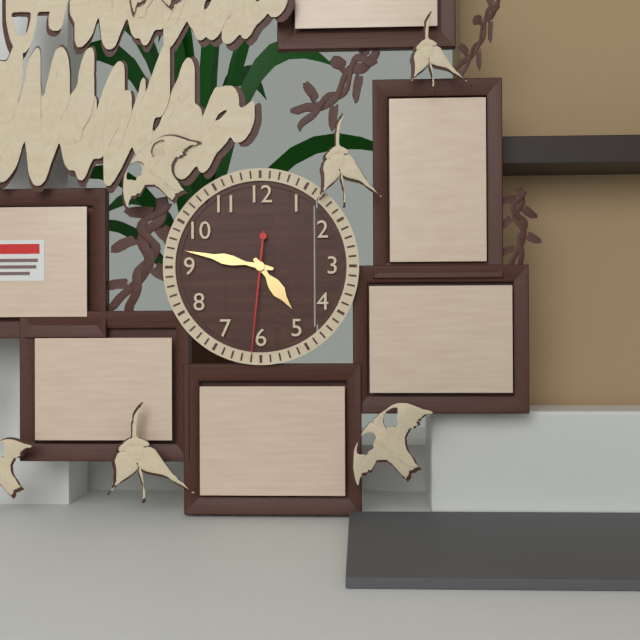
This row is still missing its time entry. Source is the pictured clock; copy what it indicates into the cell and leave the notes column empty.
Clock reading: 4:47:31
